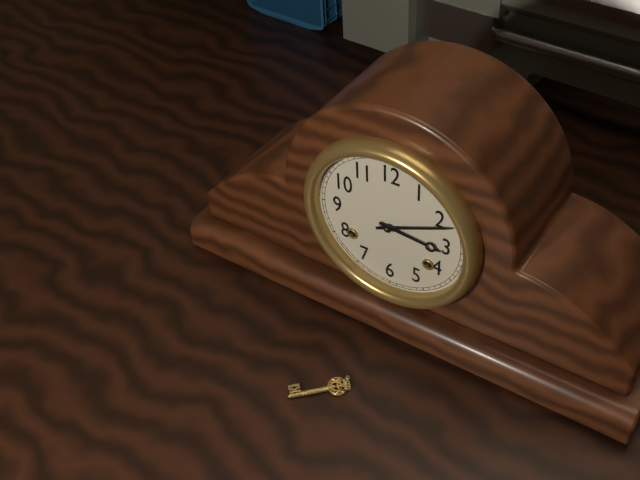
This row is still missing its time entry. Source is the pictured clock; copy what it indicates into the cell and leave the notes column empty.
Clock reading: 3:11
